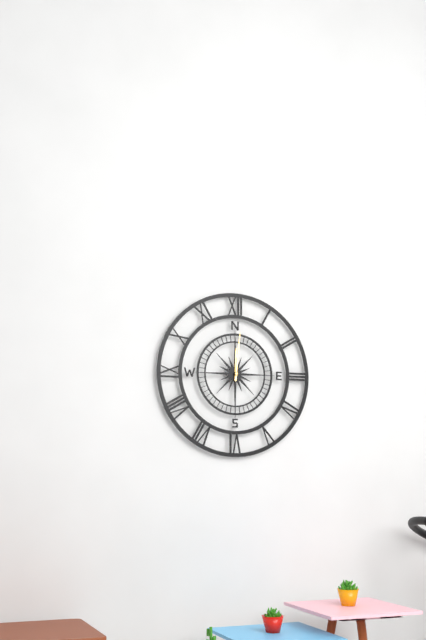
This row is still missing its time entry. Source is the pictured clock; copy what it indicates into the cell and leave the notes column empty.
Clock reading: 12:01
